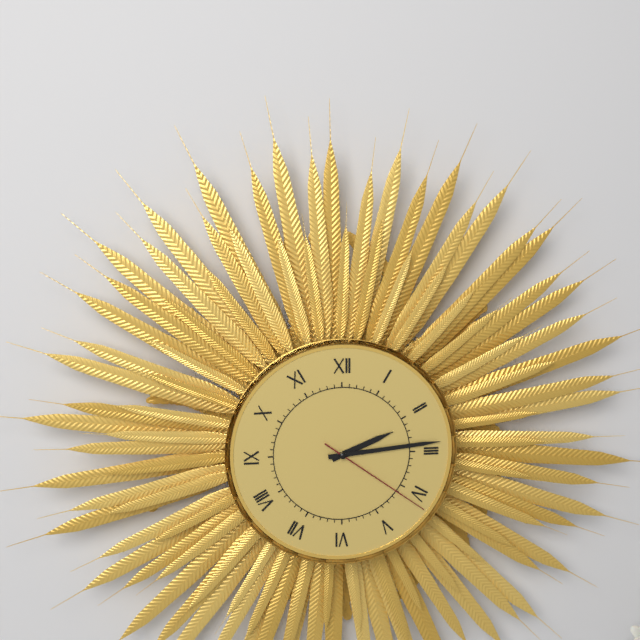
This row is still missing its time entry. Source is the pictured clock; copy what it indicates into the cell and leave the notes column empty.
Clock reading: 2:14:21
